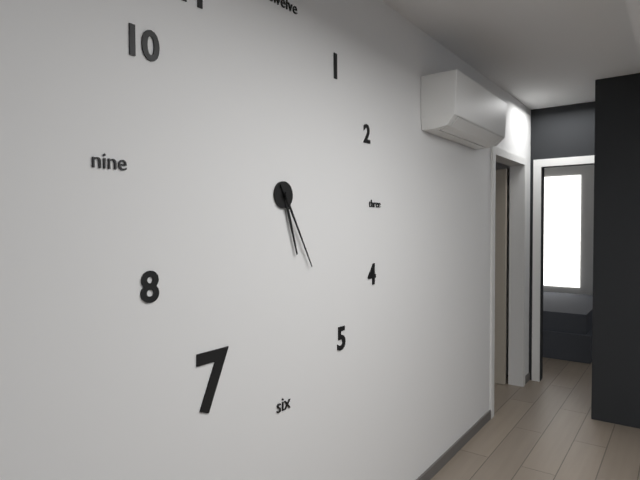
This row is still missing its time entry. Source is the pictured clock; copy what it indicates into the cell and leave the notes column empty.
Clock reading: 5:25
